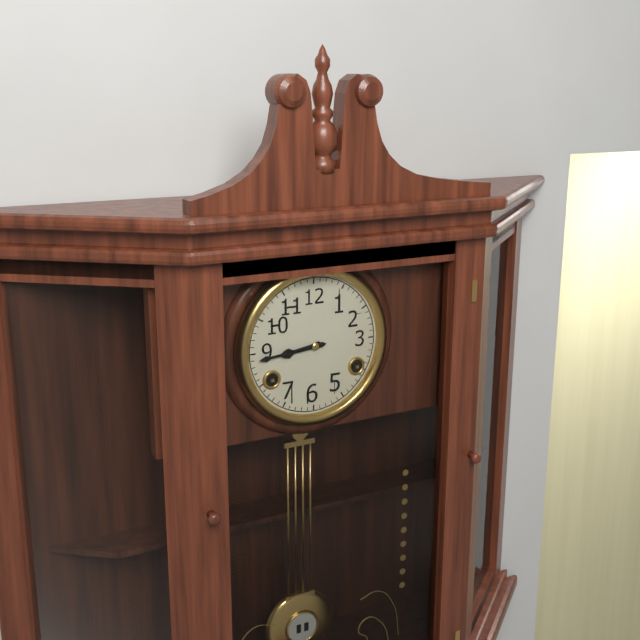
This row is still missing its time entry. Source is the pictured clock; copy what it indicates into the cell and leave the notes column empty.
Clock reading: 8:44
